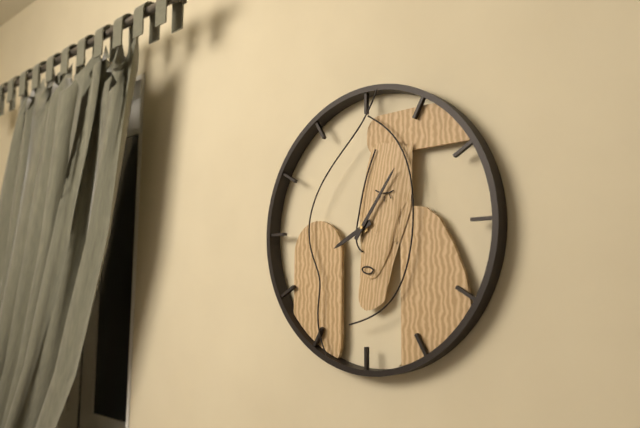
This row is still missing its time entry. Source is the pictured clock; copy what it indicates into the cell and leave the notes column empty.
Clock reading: 8:06
